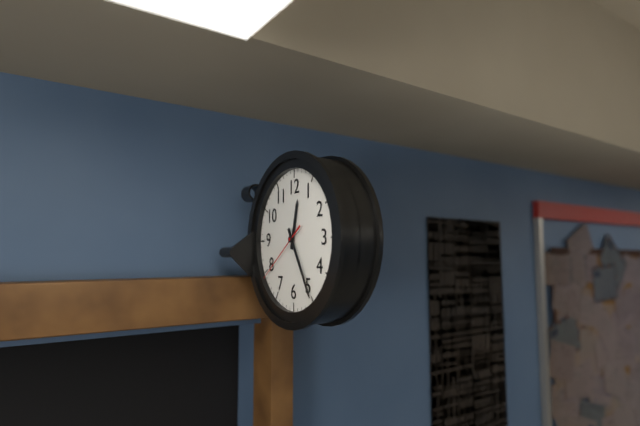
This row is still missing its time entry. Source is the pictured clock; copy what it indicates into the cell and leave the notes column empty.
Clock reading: 12:25:39
